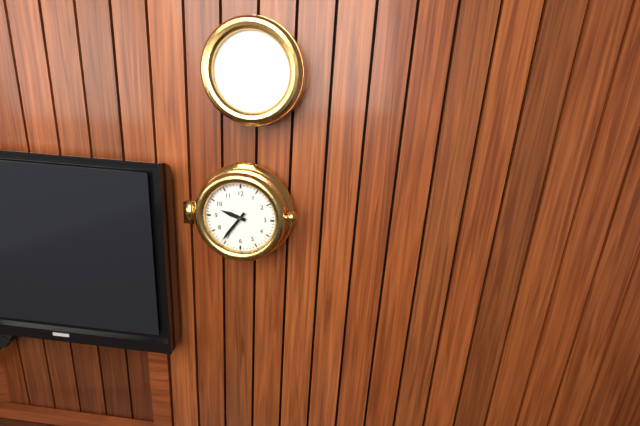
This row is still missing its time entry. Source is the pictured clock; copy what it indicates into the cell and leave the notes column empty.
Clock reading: 9:36
